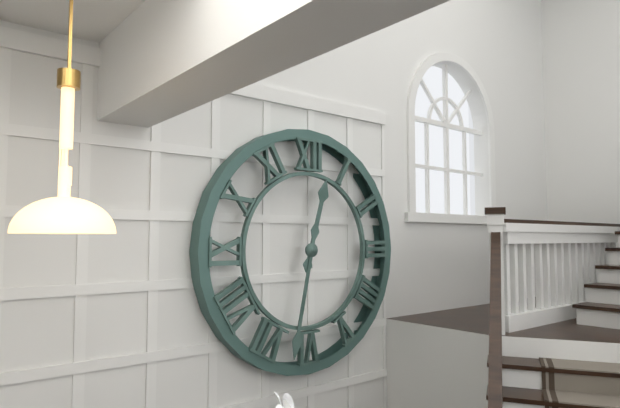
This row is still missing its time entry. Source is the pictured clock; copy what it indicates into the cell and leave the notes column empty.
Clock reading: 12:32
